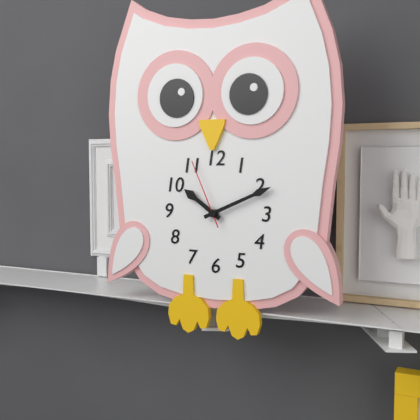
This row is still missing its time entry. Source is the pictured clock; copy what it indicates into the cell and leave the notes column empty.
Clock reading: 10:11:56
